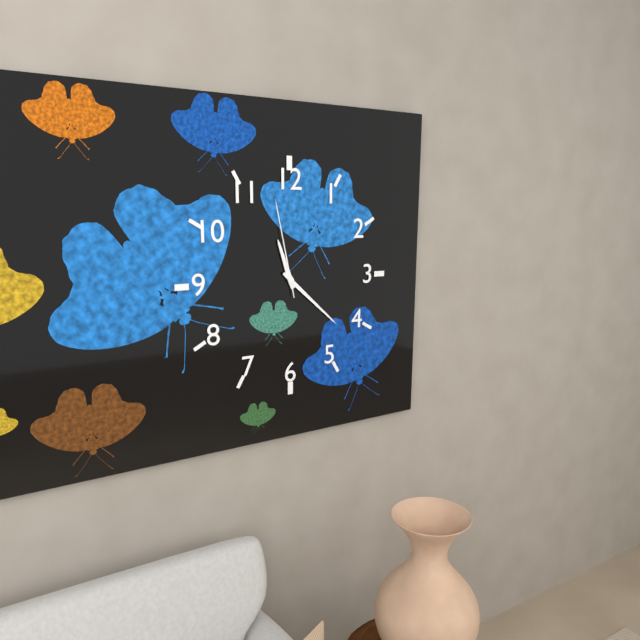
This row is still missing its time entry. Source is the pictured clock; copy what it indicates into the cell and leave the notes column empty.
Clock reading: 11:22:58
